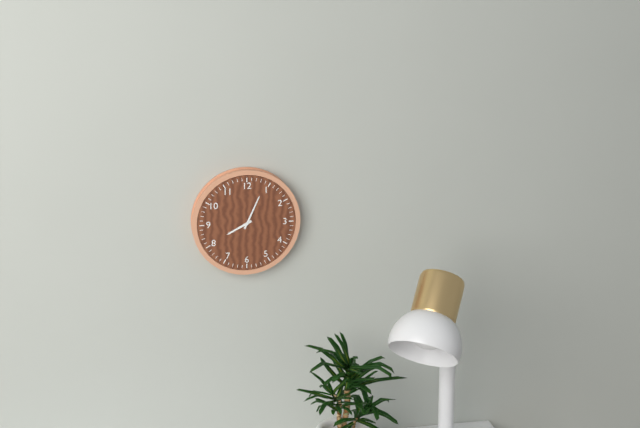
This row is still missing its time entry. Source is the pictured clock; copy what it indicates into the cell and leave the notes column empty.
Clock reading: 8:04
